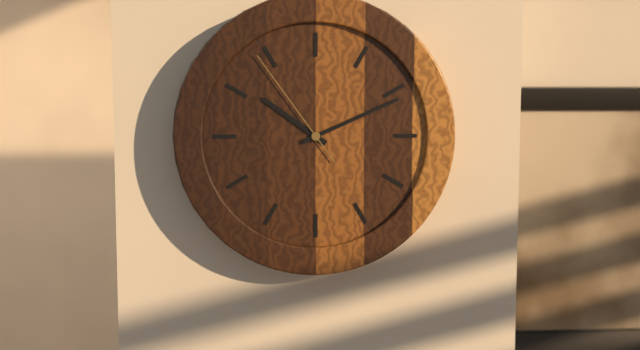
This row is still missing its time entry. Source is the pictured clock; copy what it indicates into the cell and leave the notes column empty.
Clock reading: 10:11:54
